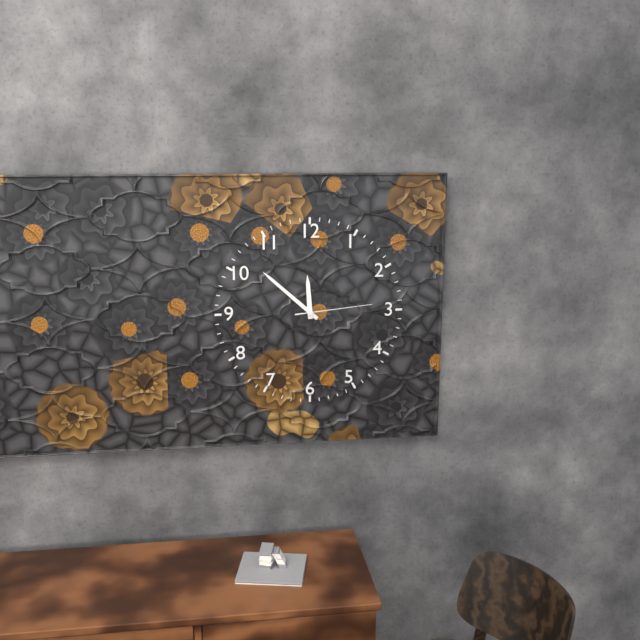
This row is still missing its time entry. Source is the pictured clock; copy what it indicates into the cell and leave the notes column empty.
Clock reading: 11:52:14
